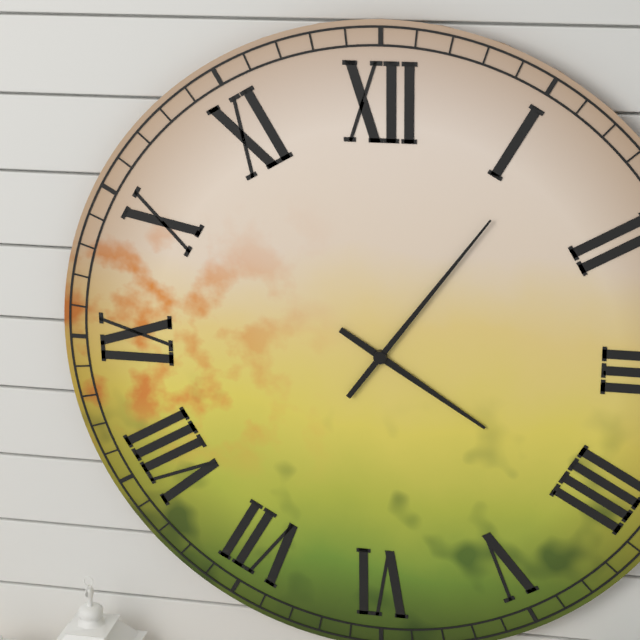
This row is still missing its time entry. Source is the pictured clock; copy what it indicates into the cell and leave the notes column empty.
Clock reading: 4:06
